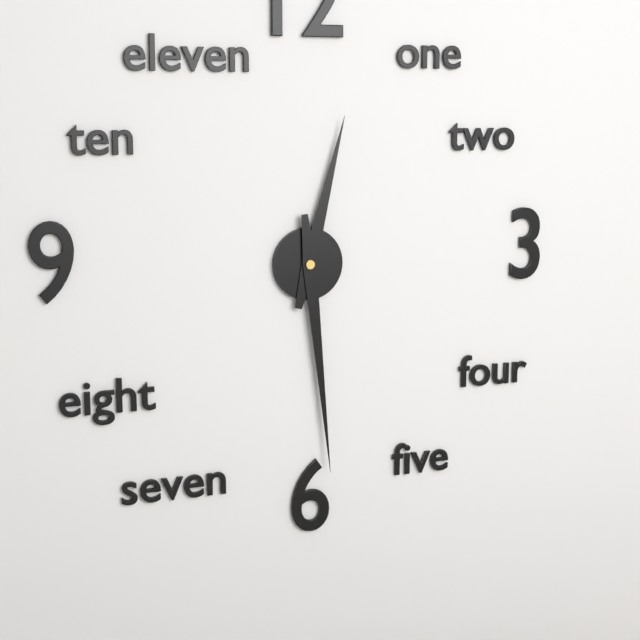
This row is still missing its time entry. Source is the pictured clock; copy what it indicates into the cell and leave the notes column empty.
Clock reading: 12:29
